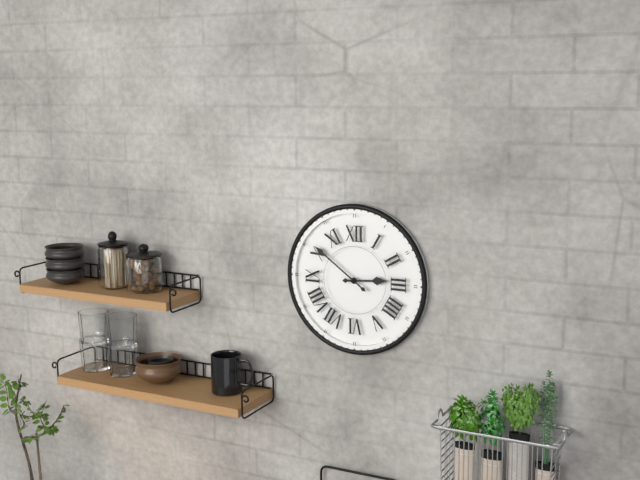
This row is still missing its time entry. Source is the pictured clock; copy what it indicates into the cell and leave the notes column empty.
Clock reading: 2:51
